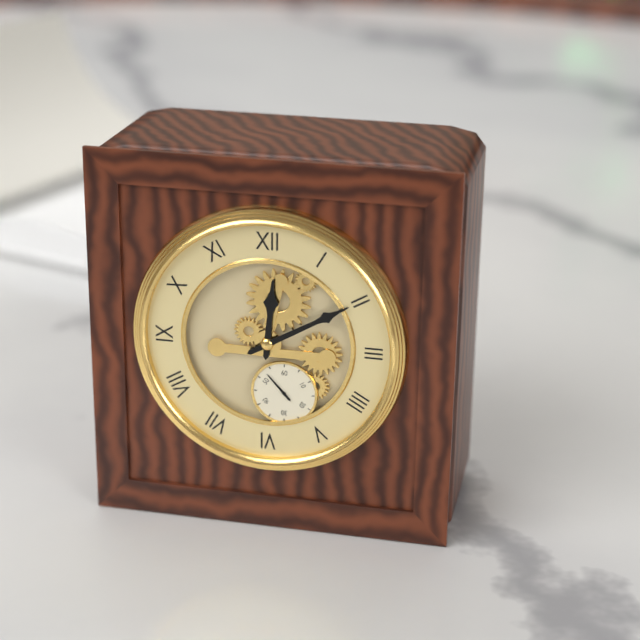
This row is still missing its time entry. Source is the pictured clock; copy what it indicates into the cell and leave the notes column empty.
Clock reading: 12:10
